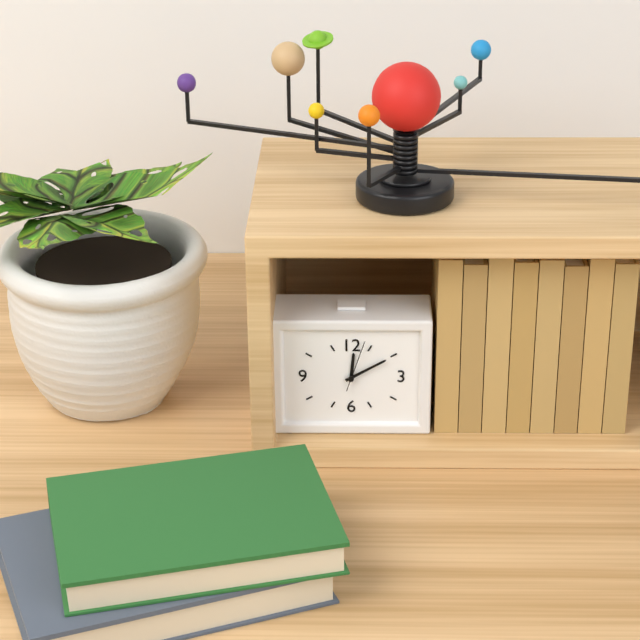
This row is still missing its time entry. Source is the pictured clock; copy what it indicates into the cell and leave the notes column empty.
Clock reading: 12:10
